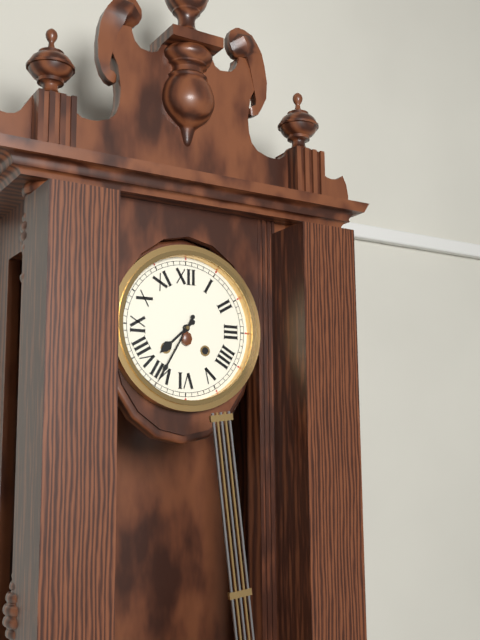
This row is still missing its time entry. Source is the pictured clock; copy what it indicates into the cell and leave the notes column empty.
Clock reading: 7:35
